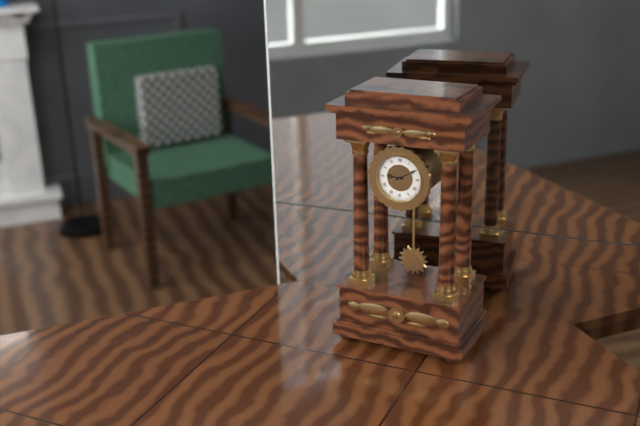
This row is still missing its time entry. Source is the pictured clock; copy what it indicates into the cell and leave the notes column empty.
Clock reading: 9:10
